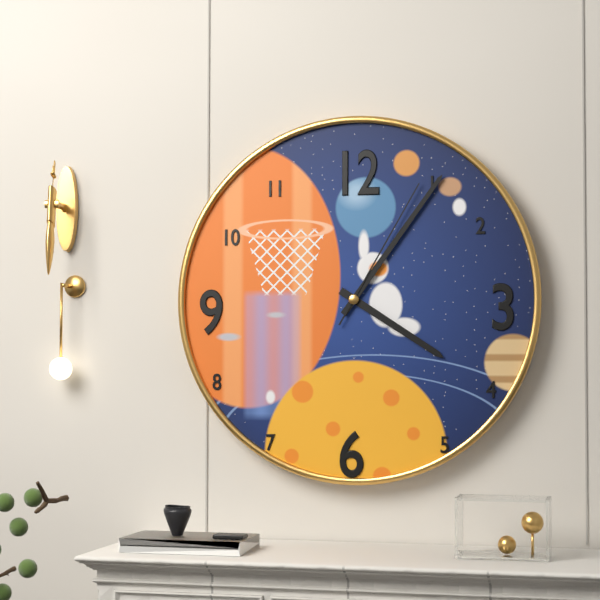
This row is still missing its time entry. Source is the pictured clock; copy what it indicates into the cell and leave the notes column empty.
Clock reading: 4:06:05
